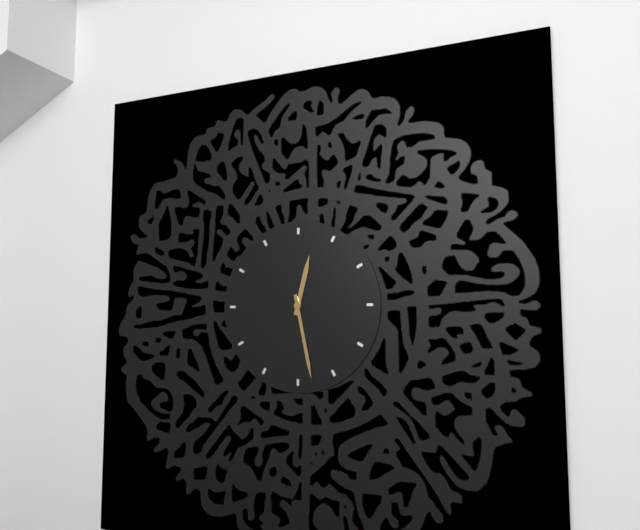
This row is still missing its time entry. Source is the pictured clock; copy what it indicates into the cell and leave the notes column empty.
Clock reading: 12:28
